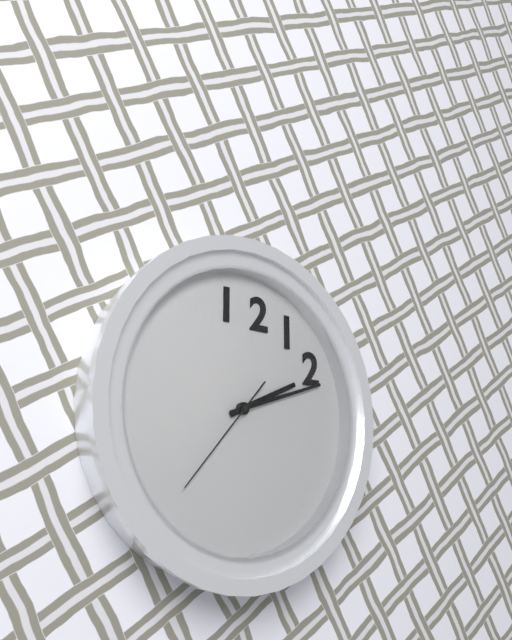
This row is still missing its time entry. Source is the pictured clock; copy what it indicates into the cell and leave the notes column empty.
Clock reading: 2:12:37
